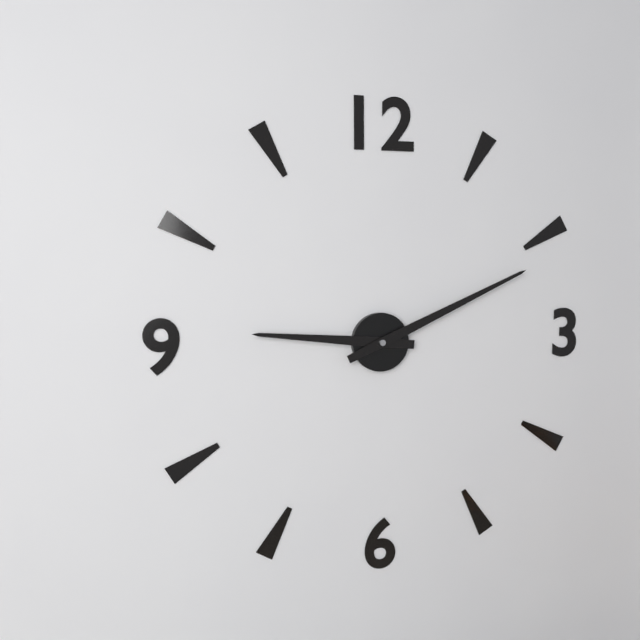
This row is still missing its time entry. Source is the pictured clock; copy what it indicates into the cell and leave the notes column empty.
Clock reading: 9:11
